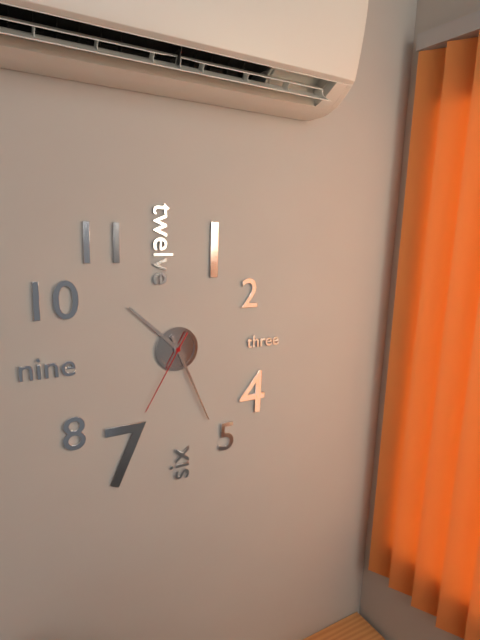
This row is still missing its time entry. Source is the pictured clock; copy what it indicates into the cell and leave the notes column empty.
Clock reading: 10:26:35
